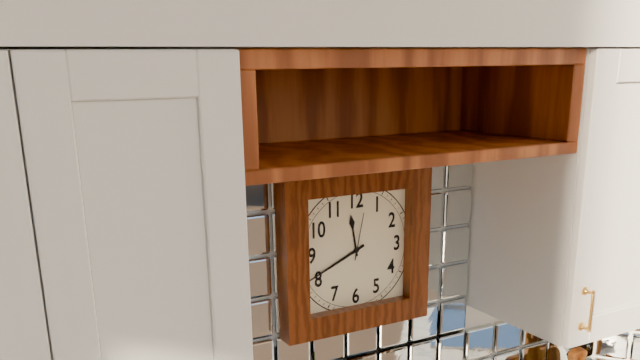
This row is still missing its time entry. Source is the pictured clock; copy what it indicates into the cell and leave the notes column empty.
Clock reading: 11:41
